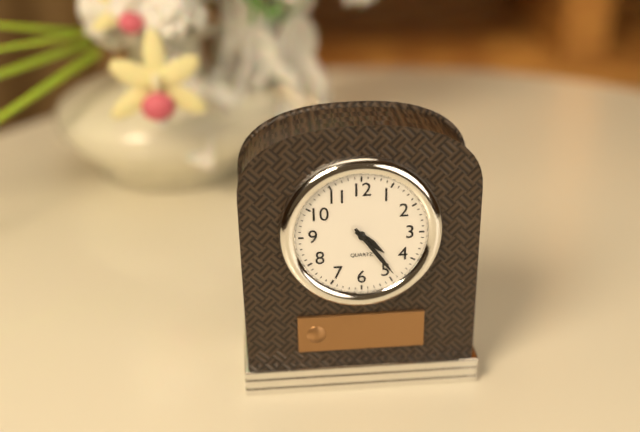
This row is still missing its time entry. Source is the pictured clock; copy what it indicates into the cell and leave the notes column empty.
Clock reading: 4:24
